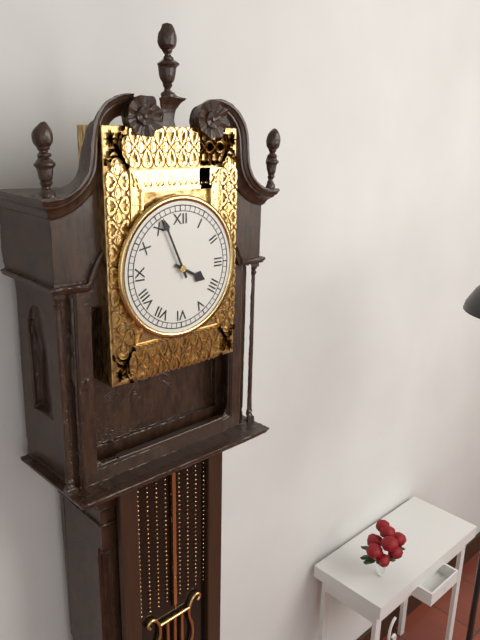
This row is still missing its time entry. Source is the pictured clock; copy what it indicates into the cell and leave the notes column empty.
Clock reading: 3:56
